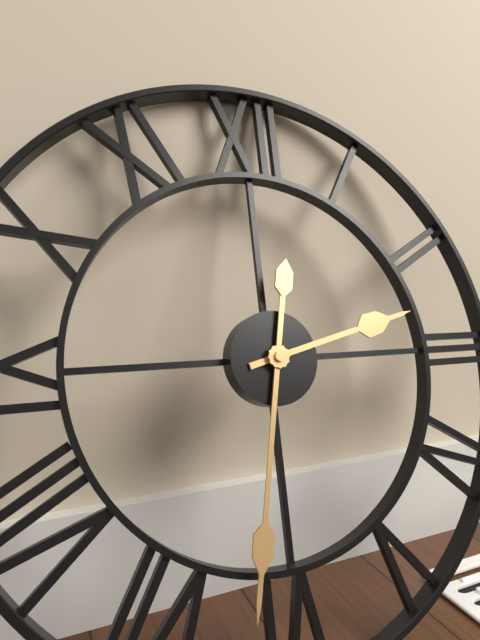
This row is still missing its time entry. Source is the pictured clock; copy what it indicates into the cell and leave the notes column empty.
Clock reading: 2:32
